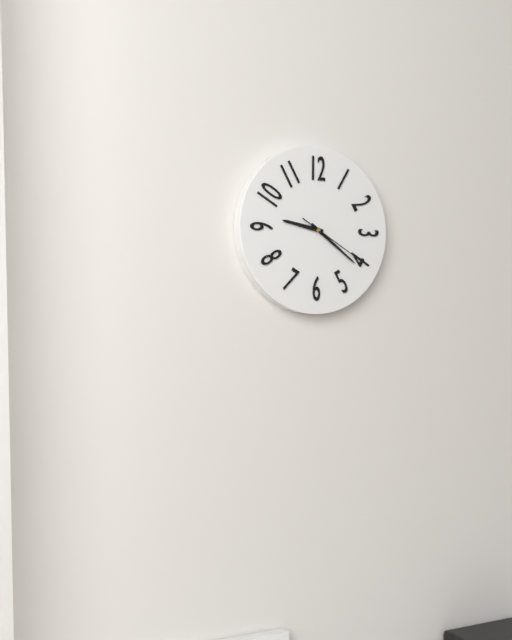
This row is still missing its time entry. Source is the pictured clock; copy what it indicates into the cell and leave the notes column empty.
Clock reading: 9:21:20
